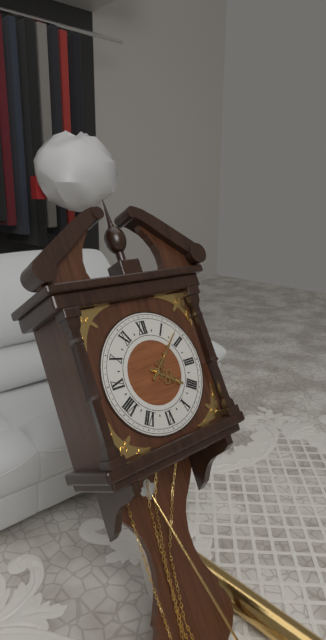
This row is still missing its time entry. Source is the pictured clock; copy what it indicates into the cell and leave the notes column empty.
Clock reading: 4:08
